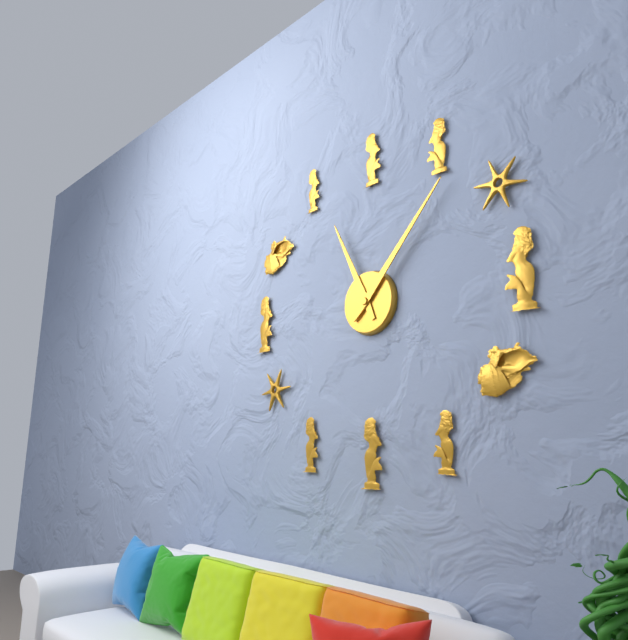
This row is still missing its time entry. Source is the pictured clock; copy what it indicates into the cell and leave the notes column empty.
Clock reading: 11:07
